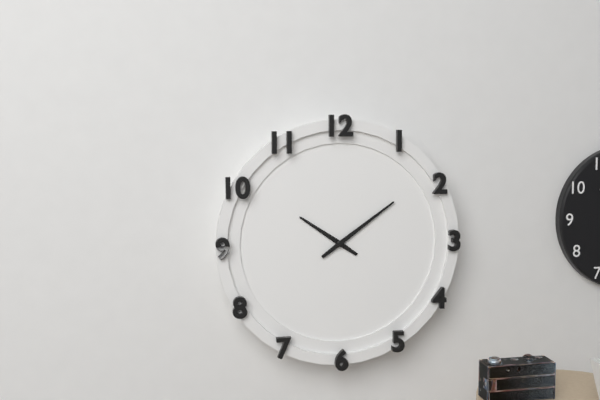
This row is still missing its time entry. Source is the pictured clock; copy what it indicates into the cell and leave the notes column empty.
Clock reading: 10:09
